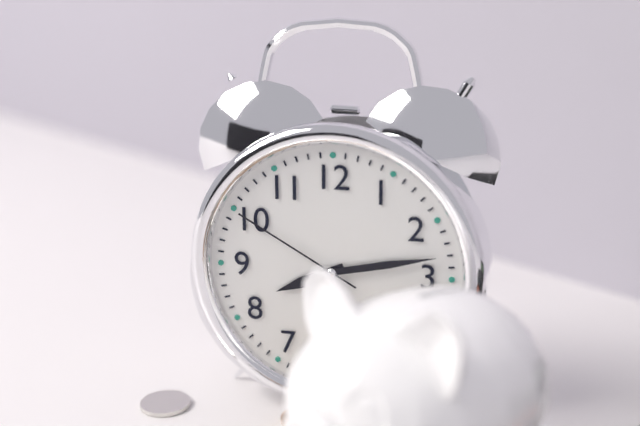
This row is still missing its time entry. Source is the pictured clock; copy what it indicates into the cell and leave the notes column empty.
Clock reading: 8:13:50
